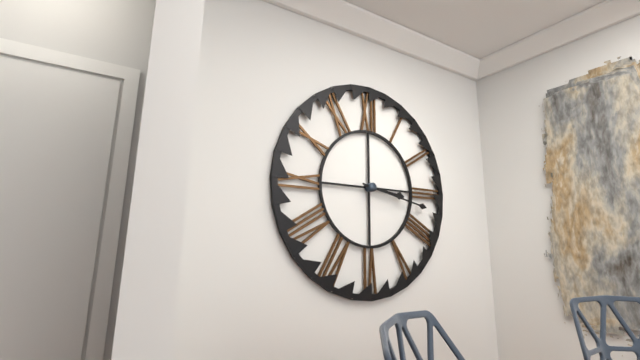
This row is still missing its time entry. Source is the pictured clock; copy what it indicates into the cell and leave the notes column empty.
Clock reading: 3:17
